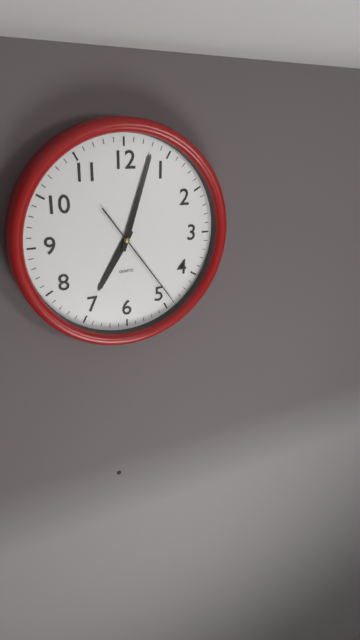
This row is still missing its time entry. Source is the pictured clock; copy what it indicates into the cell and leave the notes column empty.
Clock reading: 7:03:24
